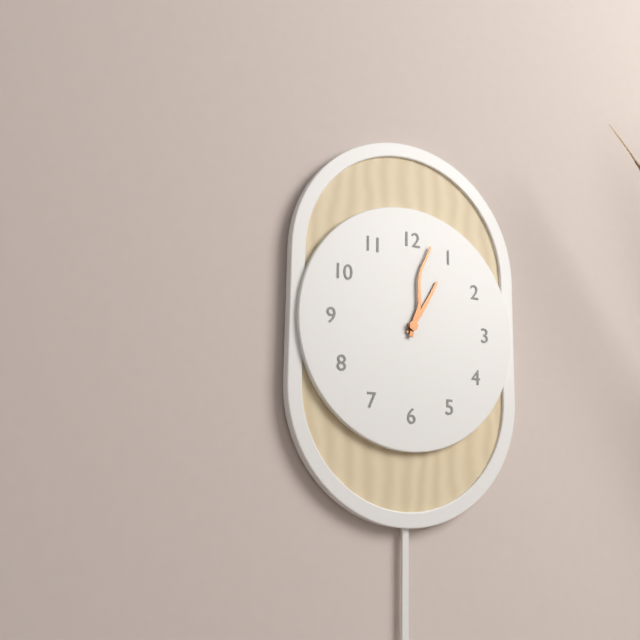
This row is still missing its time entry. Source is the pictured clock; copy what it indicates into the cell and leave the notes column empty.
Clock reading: 1:02
